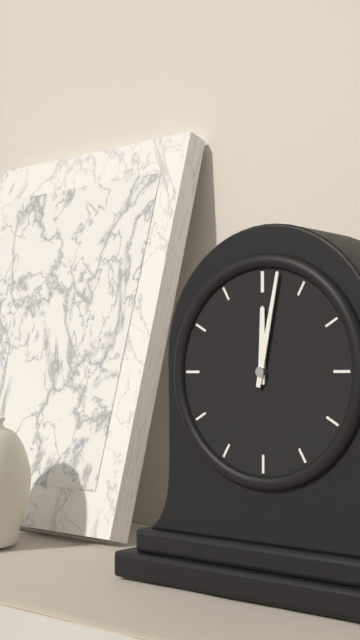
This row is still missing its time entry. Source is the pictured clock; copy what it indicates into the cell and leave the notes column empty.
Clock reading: 12:02
